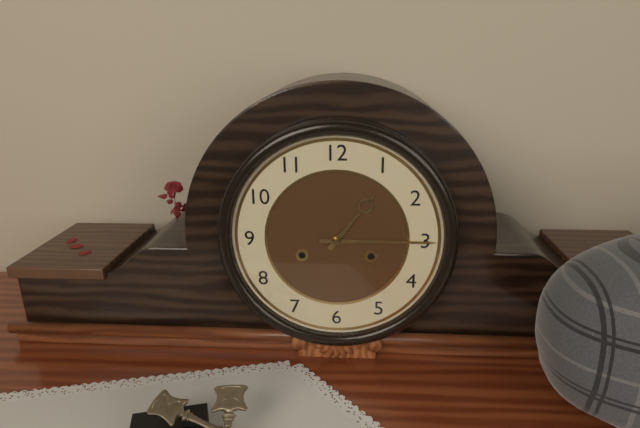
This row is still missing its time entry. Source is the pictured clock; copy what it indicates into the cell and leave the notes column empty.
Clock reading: 1:15
